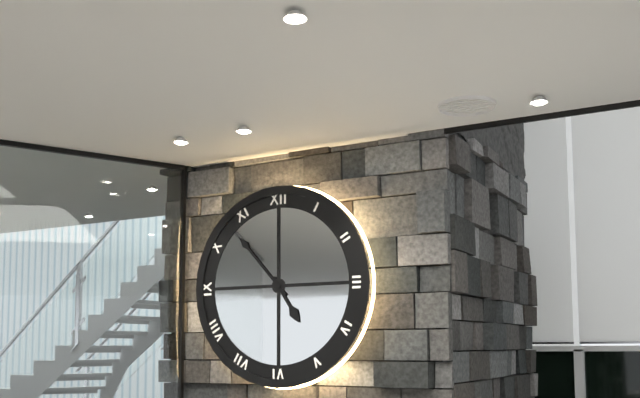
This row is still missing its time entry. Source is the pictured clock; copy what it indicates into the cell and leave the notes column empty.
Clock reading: 4:53
